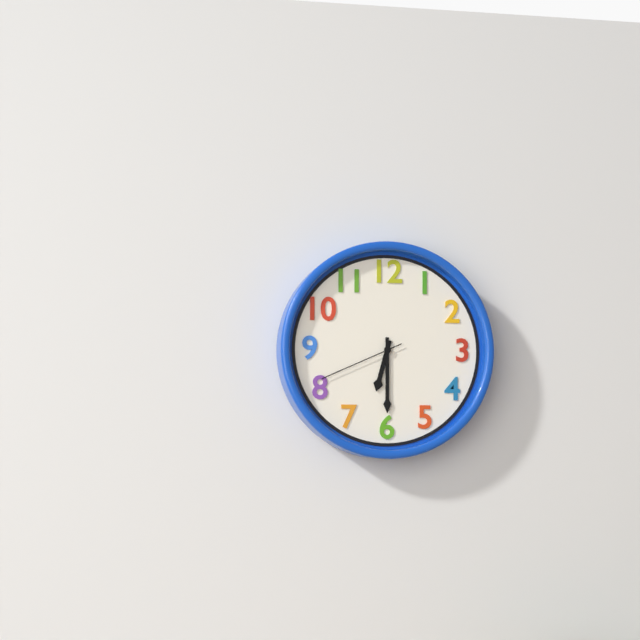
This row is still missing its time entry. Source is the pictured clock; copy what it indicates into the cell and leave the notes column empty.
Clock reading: 6:30:41
